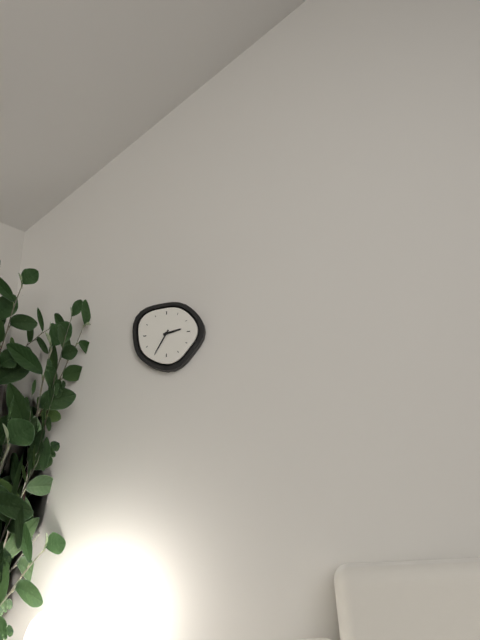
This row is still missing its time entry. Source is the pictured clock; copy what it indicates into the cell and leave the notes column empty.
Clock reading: 2:35
